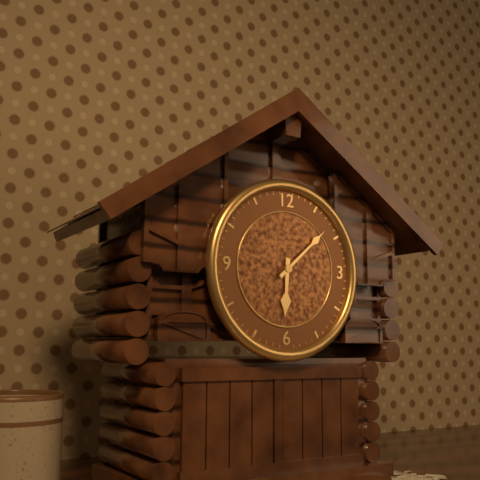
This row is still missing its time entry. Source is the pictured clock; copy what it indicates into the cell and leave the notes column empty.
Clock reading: 6:08
